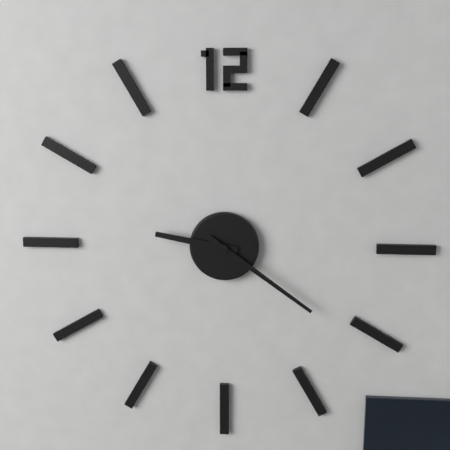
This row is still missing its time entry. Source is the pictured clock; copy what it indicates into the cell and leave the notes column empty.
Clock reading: 9:21
